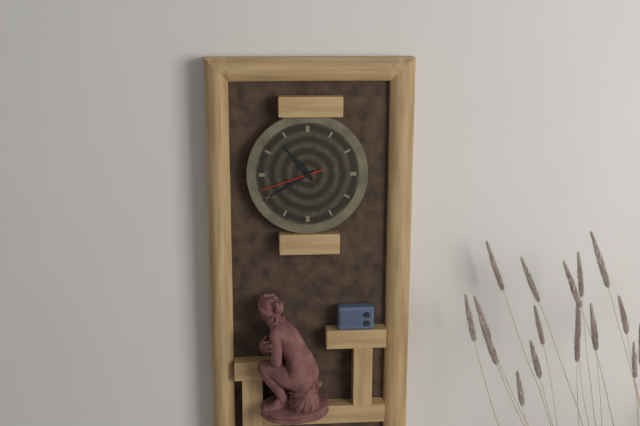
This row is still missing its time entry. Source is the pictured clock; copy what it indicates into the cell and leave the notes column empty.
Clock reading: 10:40:42
